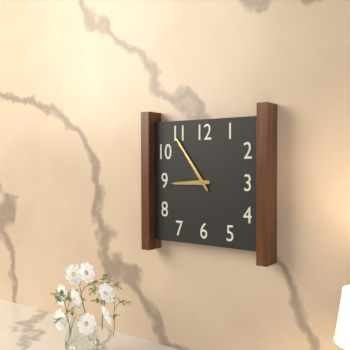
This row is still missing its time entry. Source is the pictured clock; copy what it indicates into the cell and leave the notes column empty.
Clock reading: 8:54
